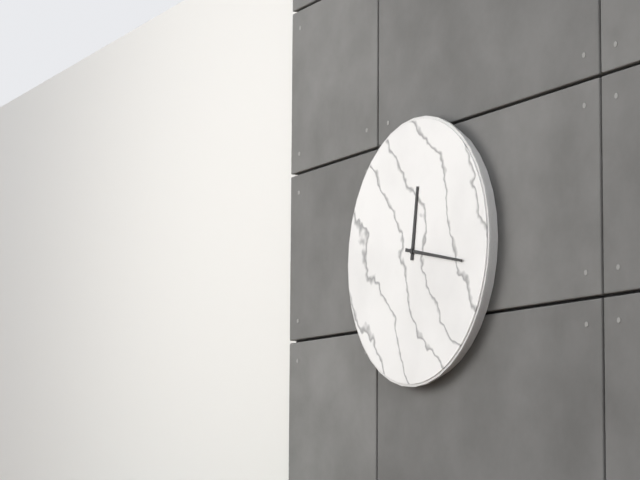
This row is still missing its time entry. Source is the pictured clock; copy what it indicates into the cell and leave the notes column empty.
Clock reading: 12:17
